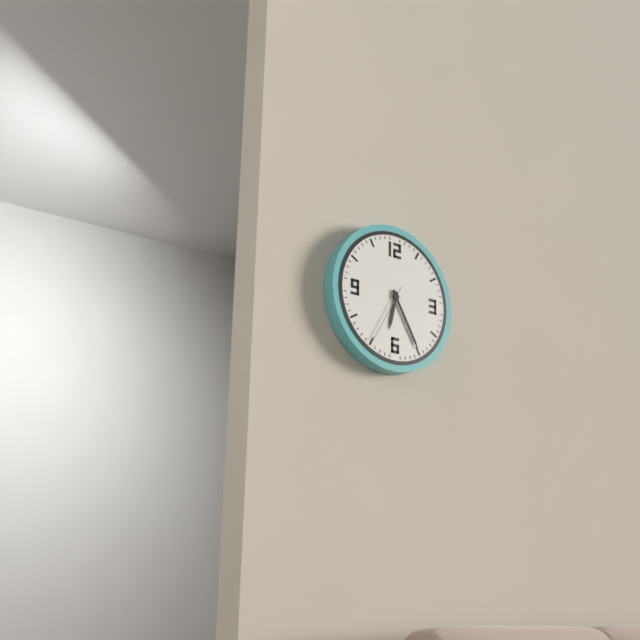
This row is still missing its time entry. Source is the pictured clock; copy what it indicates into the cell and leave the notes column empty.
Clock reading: 6:25:35
